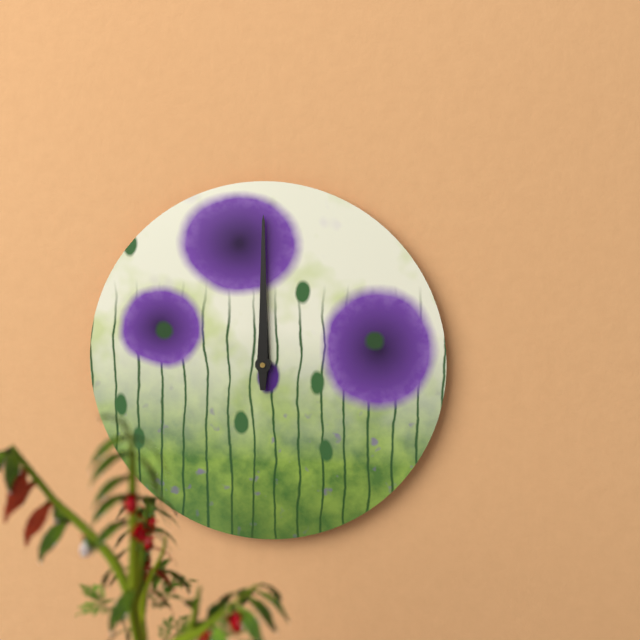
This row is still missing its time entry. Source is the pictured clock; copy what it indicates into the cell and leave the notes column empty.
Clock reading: 12:00
